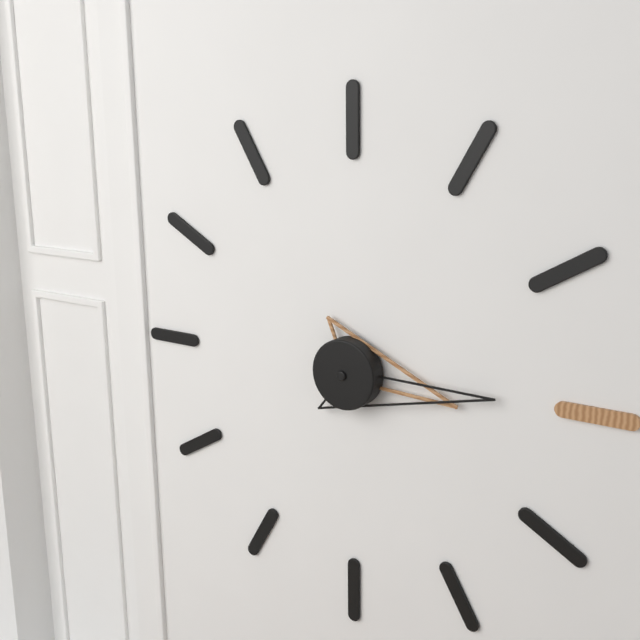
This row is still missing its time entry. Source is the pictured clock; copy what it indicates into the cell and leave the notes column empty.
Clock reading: 3:15
